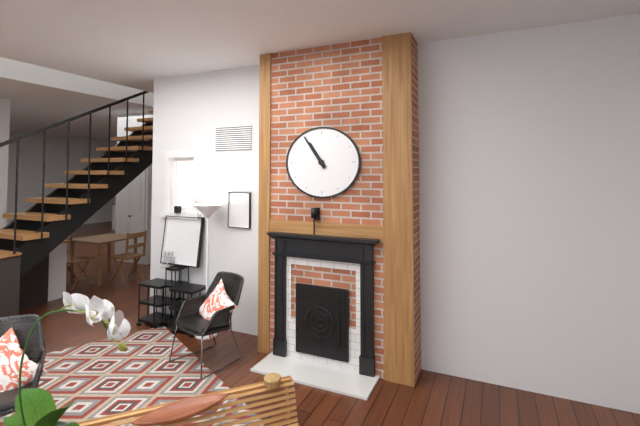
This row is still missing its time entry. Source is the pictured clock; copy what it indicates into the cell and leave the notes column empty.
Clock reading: 10:54
